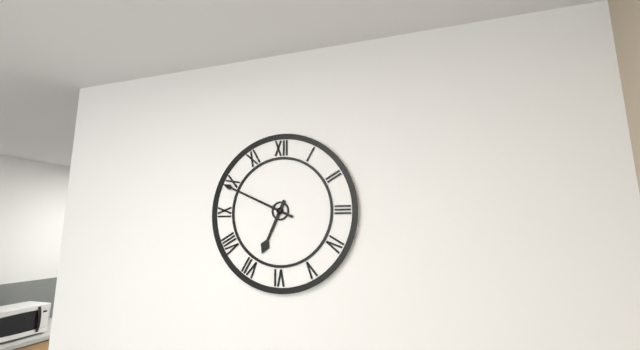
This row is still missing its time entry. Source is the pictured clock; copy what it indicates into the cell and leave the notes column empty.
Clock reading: 6:49
